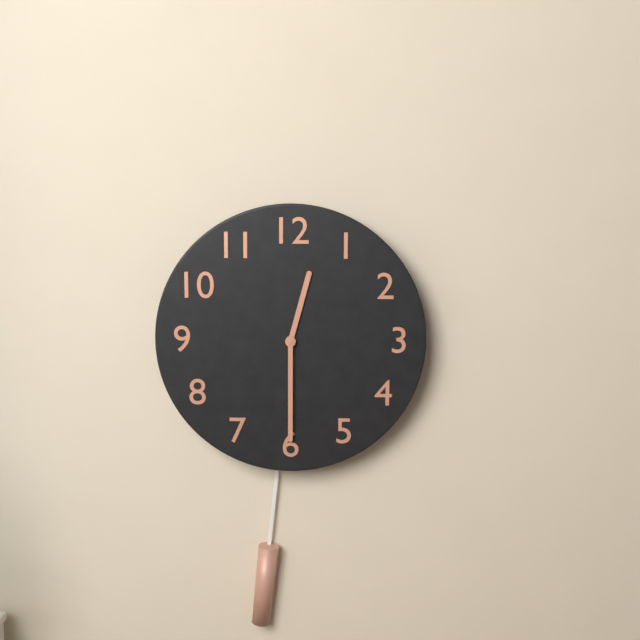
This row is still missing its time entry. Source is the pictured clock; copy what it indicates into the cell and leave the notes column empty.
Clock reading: 12:30
